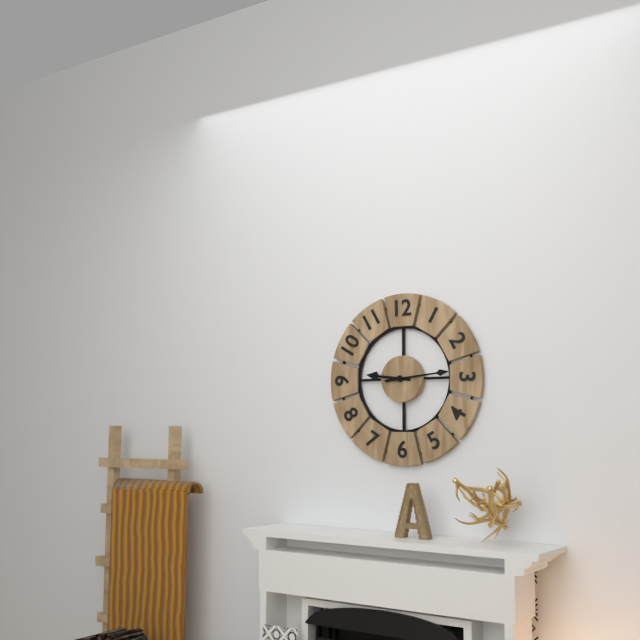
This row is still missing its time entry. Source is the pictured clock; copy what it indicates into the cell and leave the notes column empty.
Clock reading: 9:14
